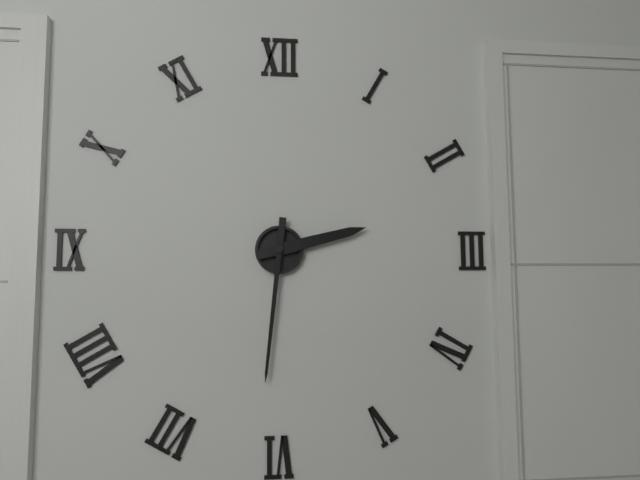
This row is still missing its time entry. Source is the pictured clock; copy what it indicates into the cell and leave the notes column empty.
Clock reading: 2:31
